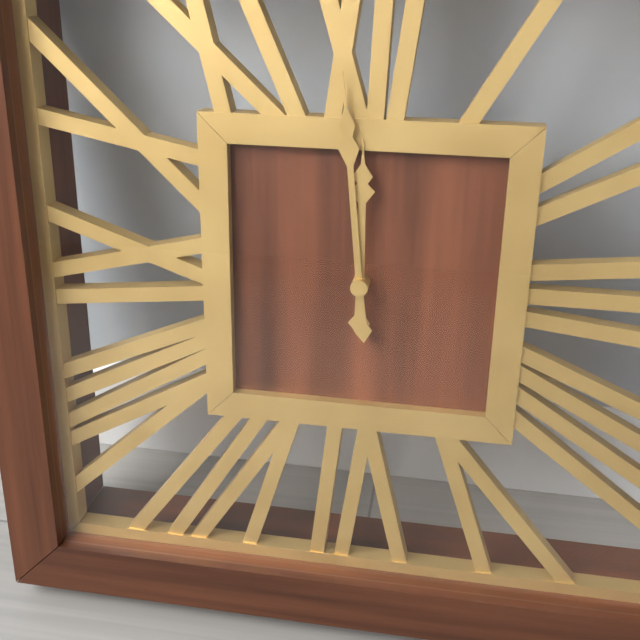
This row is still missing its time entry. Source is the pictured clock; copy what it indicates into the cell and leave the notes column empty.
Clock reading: 11:59
